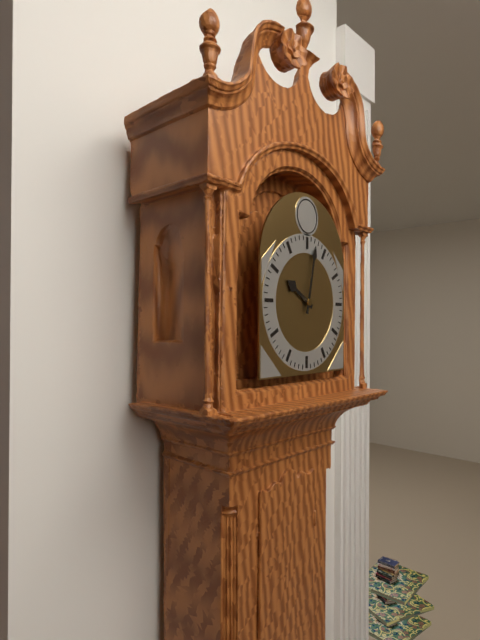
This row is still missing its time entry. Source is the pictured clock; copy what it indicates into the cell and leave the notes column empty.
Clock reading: 10:02
